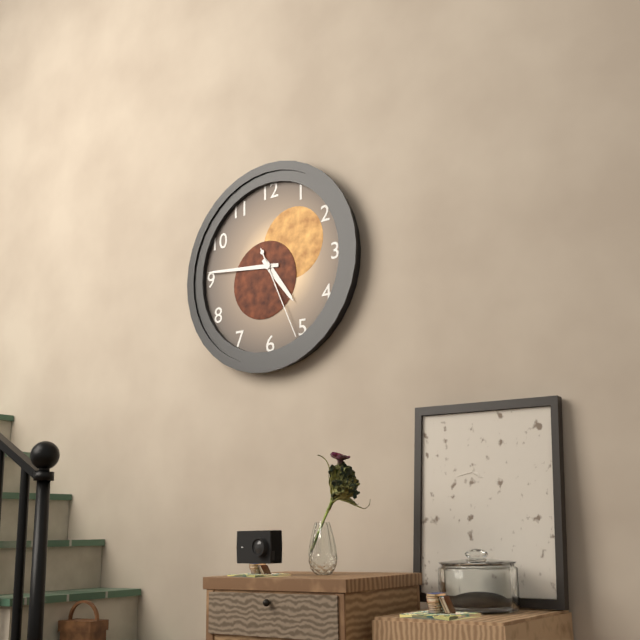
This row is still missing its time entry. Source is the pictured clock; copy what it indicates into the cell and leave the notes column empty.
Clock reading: 4:46:26
